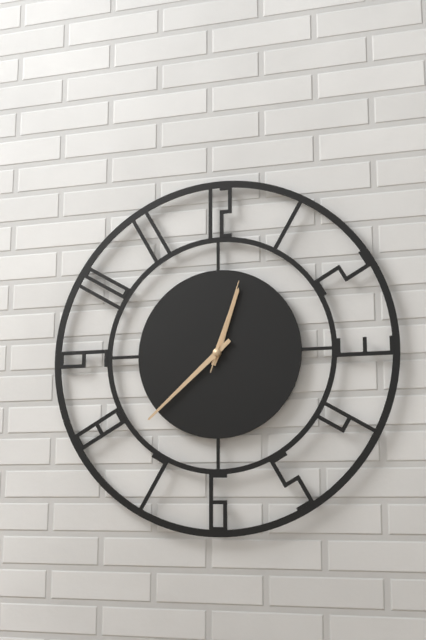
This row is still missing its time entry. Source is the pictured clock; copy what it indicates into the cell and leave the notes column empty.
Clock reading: 12:38:03
